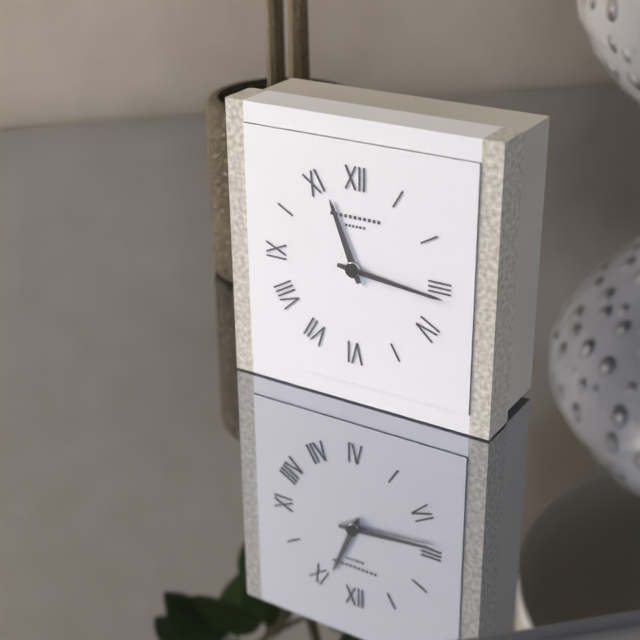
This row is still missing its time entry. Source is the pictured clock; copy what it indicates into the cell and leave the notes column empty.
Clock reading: 11:16
